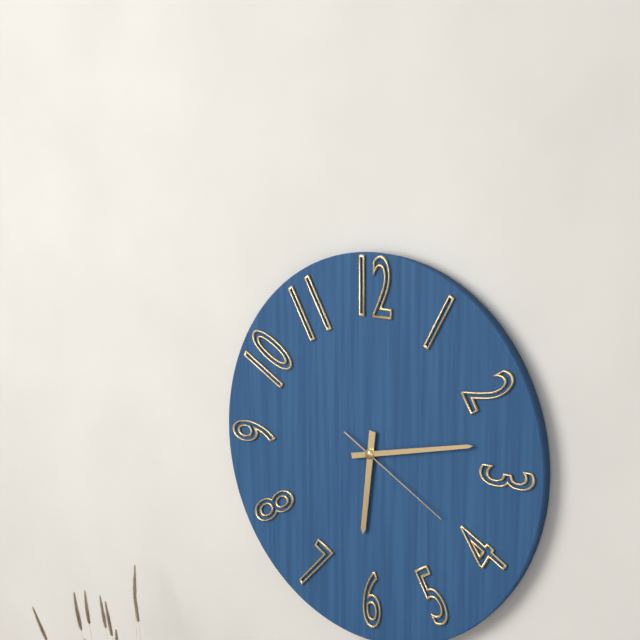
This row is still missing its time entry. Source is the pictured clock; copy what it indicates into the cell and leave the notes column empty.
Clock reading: 6:13:20
